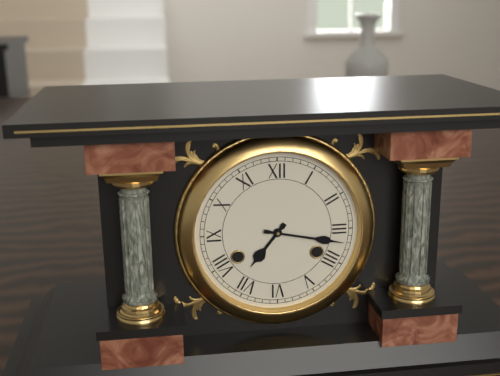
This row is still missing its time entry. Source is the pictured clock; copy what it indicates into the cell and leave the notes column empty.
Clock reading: 7:17
